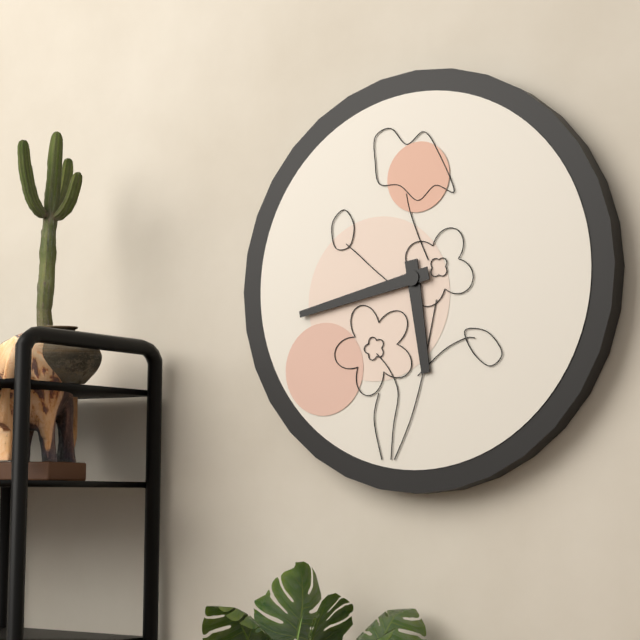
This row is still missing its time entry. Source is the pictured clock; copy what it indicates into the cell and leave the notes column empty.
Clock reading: 5:43
